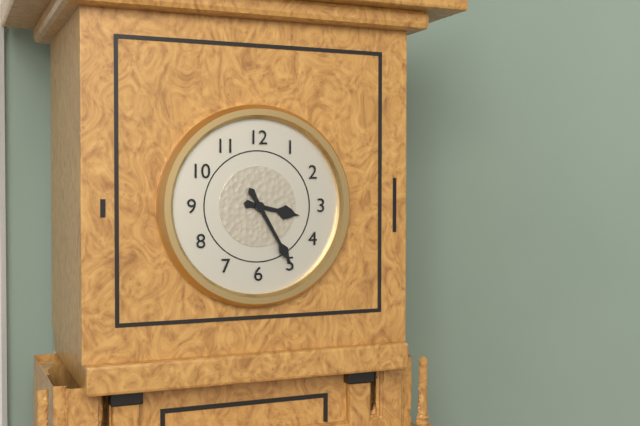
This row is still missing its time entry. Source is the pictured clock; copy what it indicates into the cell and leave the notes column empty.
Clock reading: 3:25
